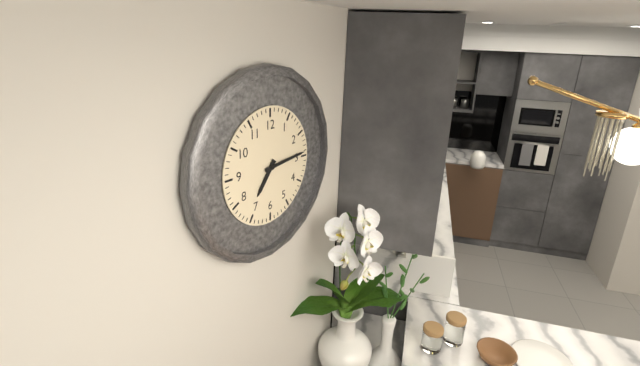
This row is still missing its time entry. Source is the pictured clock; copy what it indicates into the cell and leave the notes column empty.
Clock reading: 7:14
